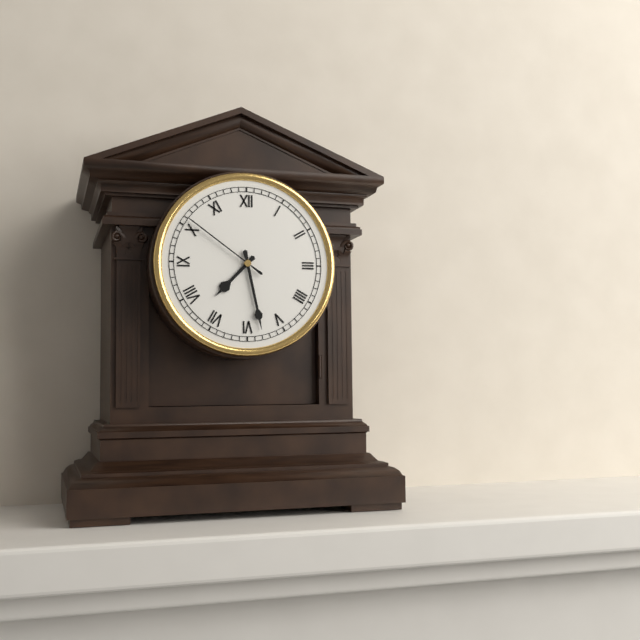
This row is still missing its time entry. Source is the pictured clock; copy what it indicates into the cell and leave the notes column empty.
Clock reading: 7:28:51
